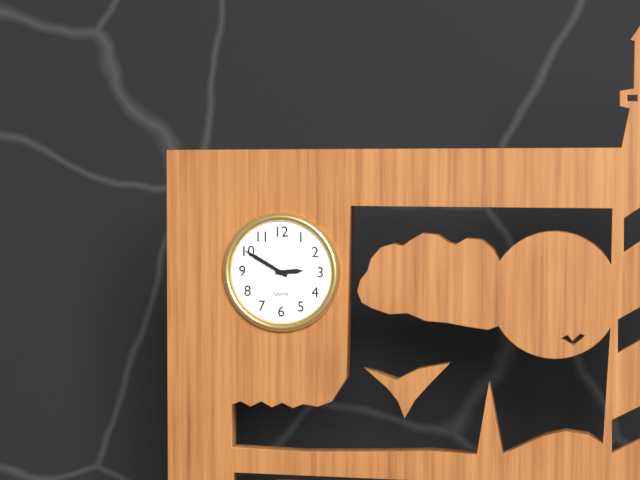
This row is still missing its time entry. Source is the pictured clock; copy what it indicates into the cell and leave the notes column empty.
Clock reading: 2:50
